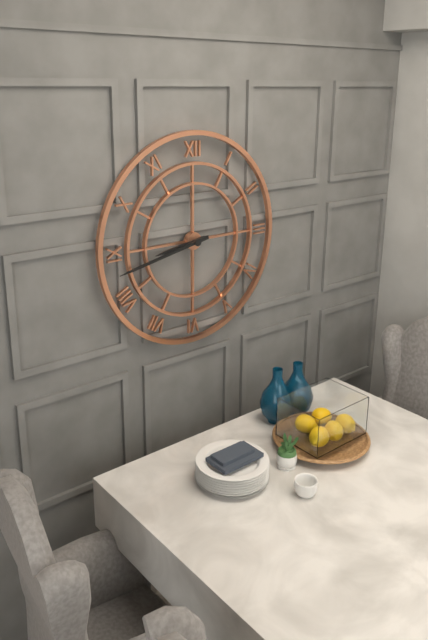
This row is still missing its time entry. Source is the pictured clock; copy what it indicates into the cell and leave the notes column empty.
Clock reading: 8:43
